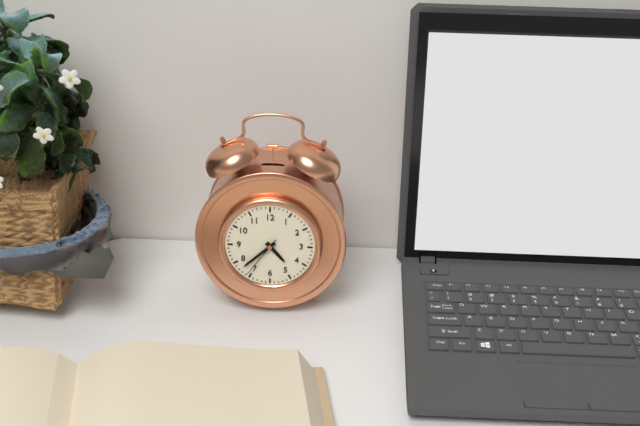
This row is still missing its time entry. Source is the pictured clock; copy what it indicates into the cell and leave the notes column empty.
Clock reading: 4:38
